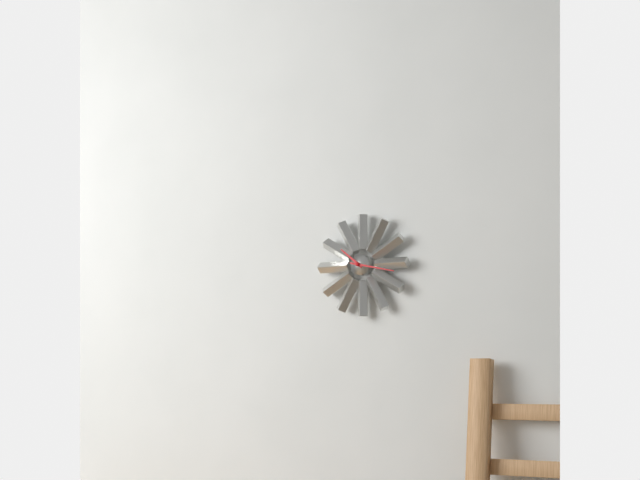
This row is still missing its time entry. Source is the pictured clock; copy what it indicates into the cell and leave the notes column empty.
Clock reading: 10:17
